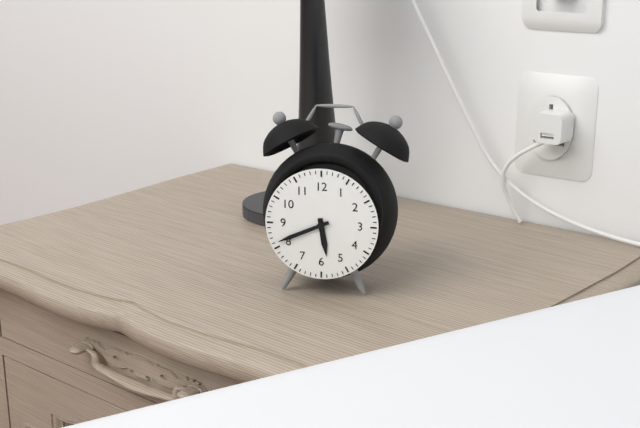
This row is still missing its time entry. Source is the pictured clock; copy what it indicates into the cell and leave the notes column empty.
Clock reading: 5:41
